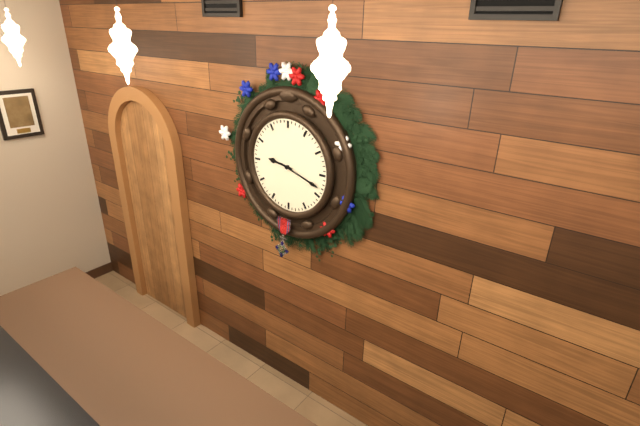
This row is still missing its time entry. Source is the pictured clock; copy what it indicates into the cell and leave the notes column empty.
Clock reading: 9:18
